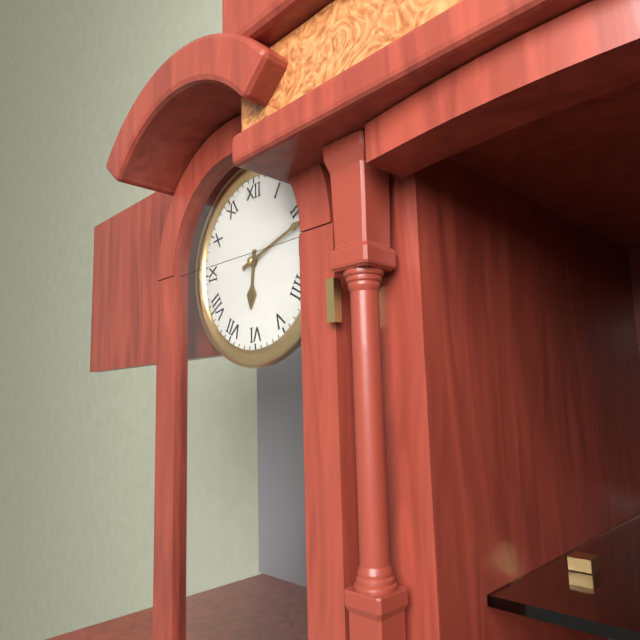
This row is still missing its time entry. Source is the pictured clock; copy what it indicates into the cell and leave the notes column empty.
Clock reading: 6:12
